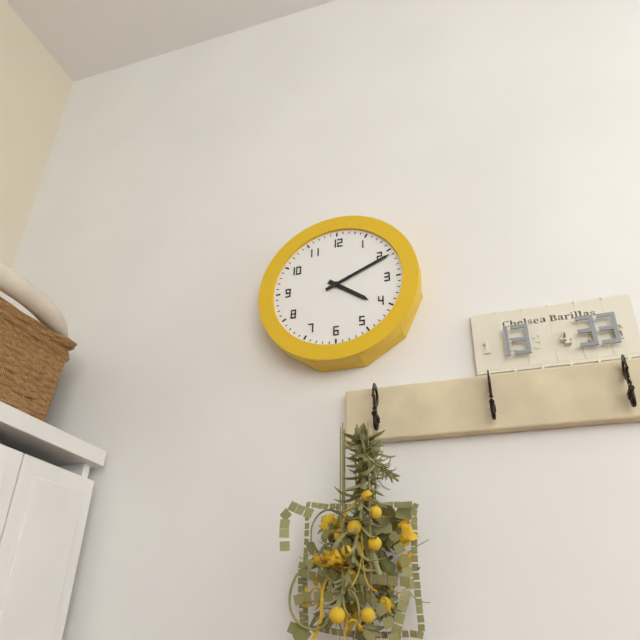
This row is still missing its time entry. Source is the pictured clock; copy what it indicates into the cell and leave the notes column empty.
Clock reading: 4:11
